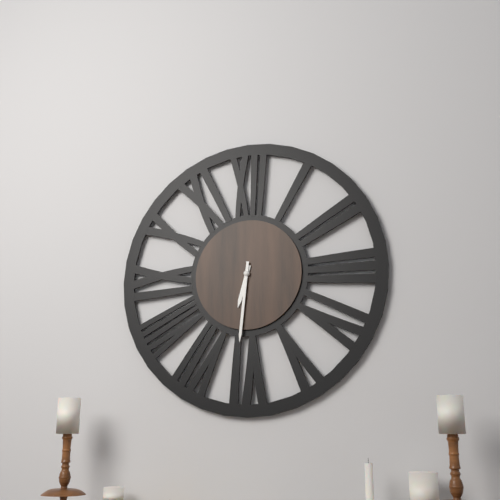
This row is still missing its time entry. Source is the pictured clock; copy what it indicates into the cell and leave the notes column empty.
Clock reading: 6:31
